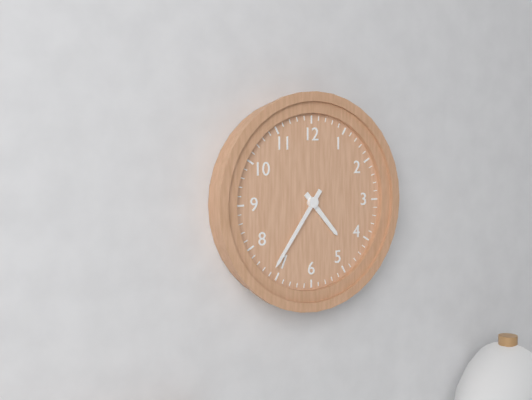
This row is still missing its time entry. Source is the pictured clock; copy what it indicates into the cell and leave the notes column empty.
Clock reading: 4:36
